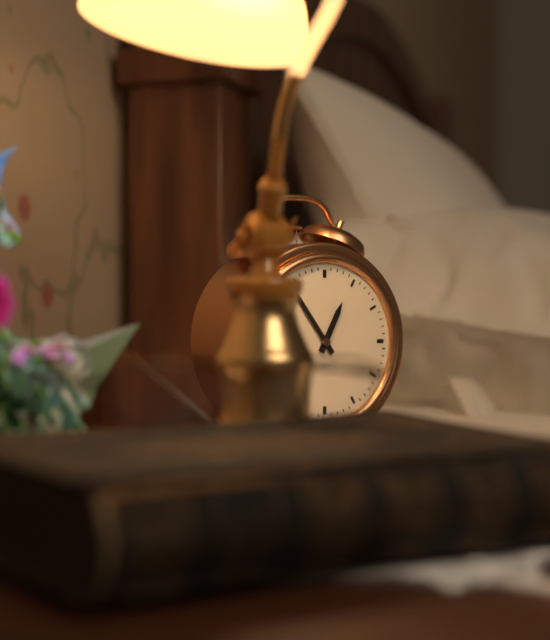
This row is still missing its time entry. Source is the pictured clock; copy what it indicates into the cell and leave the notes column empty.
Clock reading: 12:54
